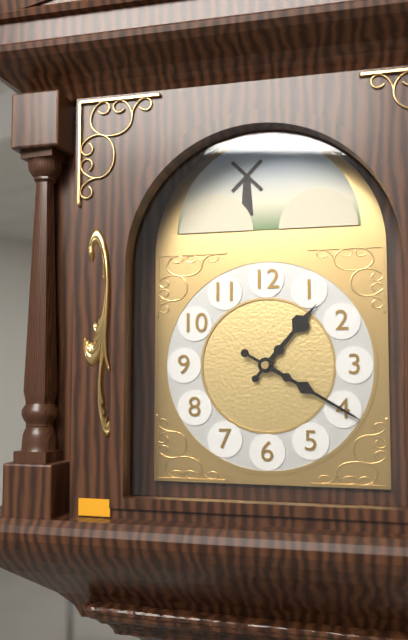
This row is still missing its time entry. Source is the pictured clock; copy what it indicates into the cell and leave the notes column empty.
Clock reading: 1:20
